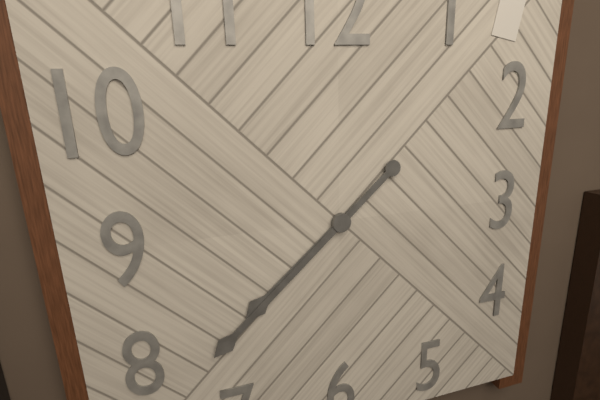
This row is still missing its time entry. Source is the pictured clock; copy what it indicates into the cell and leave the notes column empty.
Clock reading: 7:38
